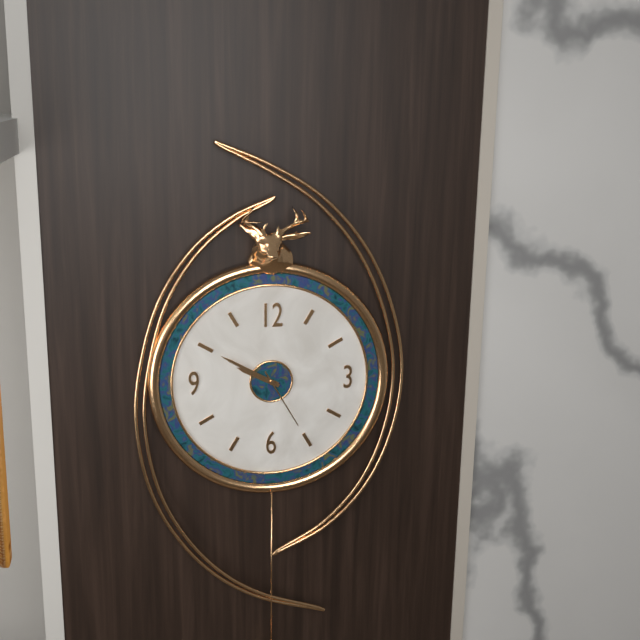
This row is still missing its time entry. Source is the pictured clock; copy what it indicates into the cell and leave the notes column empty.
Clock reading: 9:50:25
